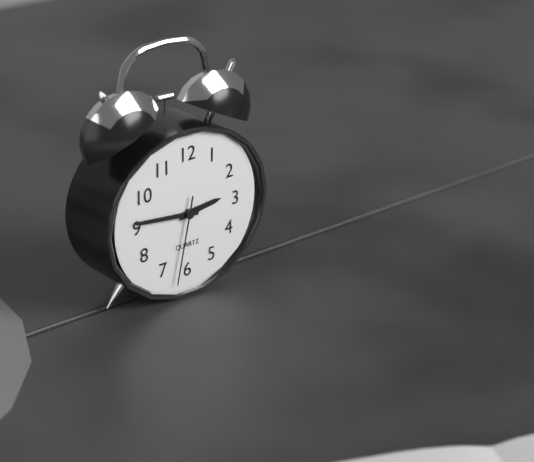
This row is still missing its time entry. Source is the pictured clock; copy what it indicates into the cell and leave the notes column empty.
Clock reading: 2:46:32
